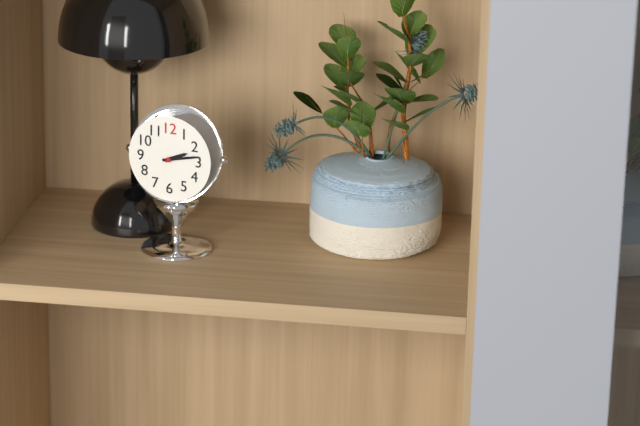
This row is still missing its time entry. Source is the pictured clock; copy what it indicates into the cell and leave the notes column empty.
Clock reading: 2:13
